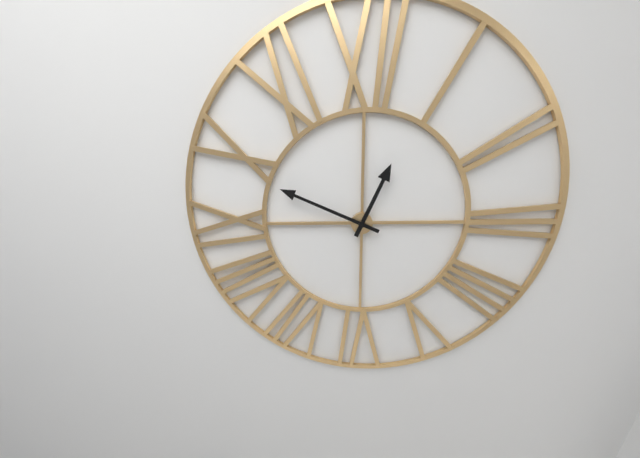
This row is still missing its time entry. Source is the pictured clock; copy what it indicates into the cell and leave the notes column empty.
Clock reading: 12:49
